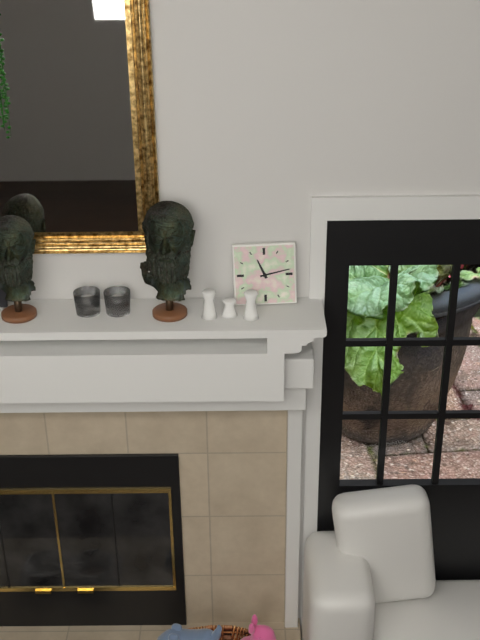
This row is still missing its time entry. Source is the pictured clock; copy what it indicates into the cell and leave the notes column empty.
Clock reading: 11:13
